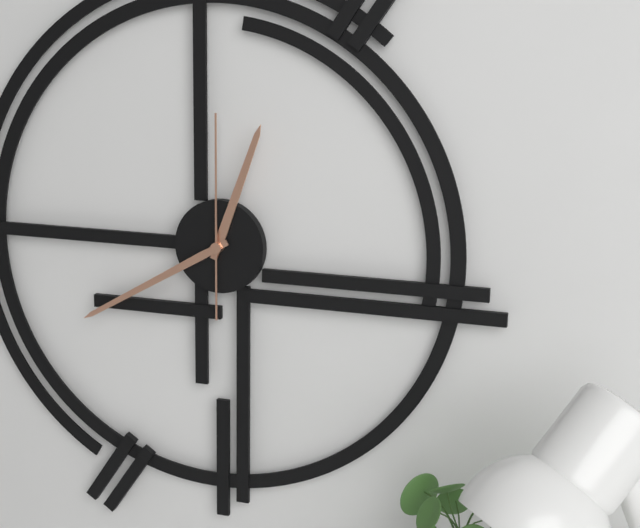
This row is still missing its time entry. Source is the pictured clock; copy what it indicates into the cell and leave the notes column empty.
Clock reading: 12:40:00
